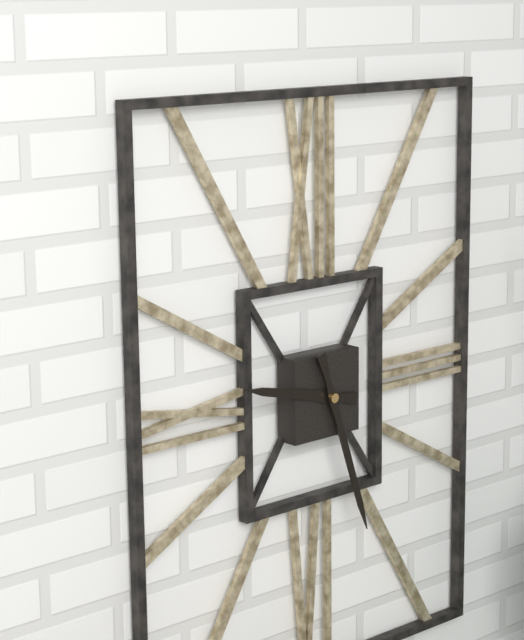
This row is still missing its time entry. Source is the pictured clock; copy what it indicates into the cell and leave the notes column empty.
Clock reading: 9:27
